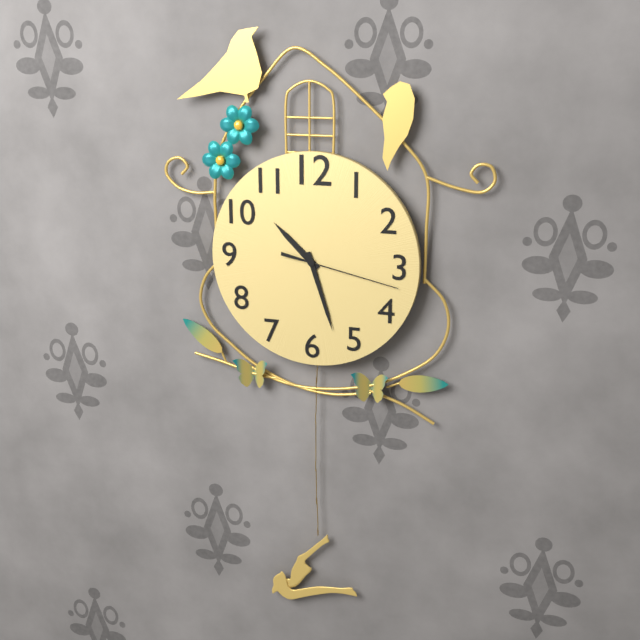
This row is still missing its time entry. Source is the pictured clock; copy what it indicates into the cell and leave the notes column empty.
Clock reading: 10:27:17
